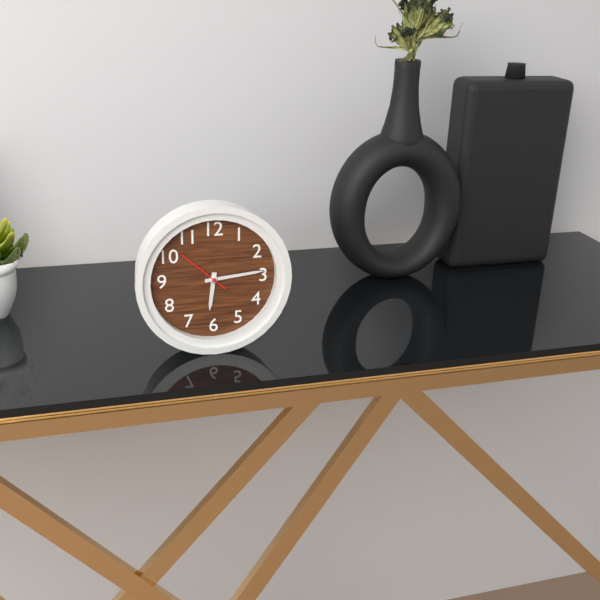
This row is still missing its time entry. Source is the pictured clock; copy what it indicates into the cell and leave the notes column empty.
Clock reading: 6:14:52
